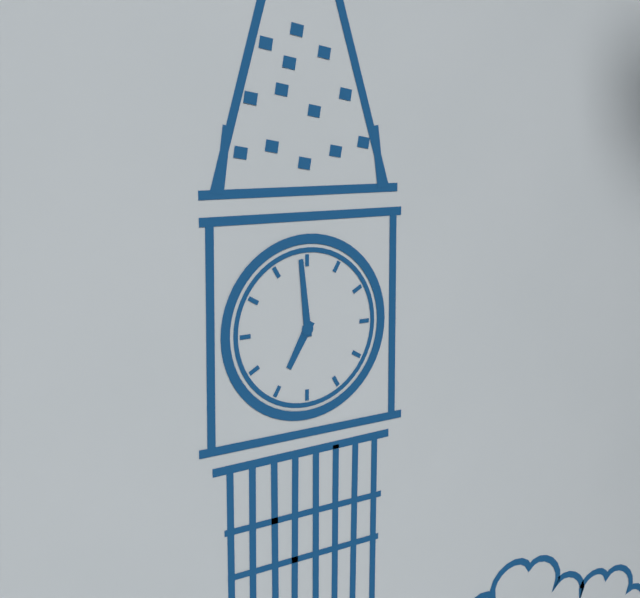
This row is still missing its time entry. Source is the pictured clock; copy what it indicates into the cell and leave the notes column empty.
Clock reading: 6:59
